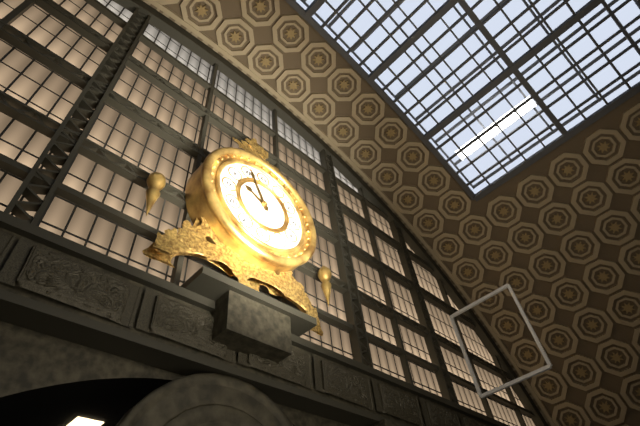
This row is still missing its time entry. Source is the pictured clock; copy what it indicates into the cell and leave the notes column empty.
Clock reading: 9:56
